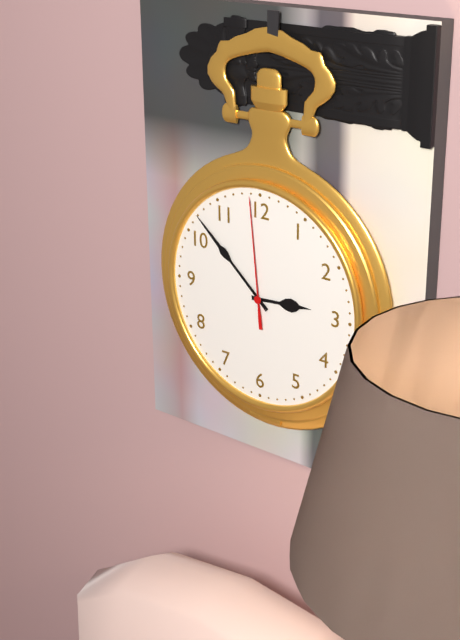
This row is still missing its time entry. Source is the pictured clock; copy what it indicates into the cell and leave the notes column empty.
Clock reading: 2:52:59
